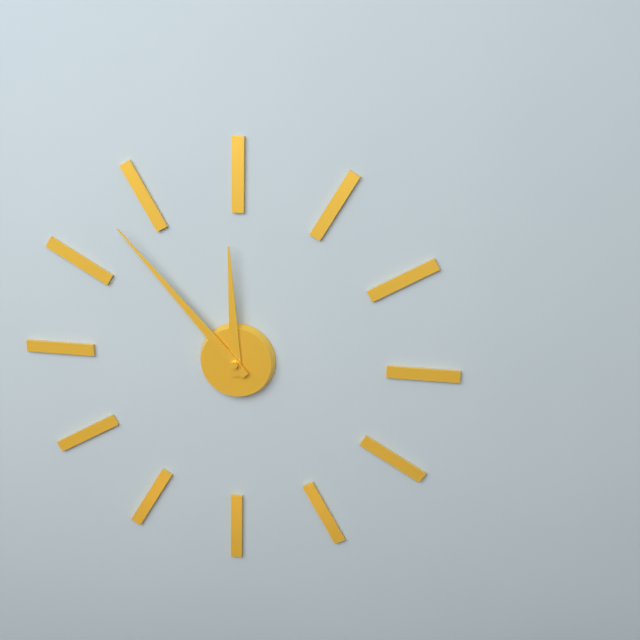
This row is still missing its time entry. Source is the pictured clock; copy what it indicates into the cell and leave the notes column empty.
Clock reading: 11:53
